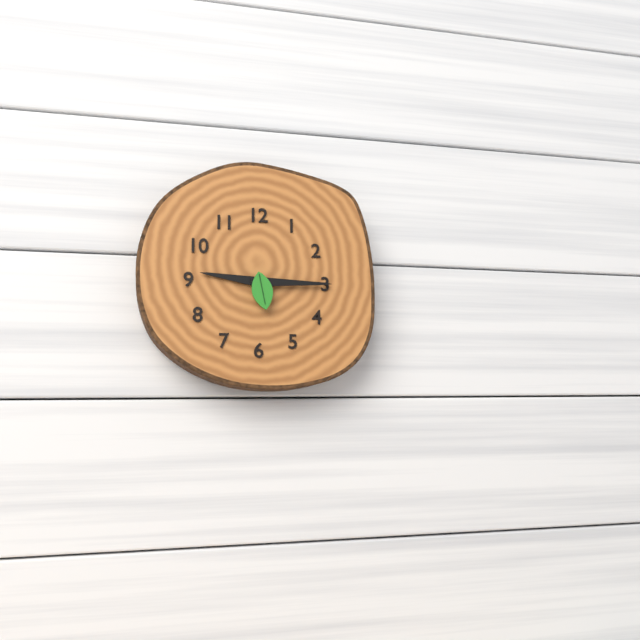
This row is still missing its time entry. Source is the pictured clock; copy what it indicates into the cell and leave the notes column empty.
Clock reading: 9:15
